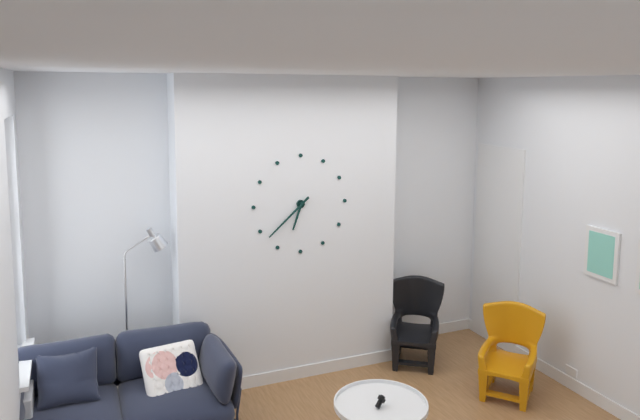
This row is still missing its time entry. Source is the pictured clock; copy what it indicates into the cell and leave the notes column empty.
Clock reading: 6:38
